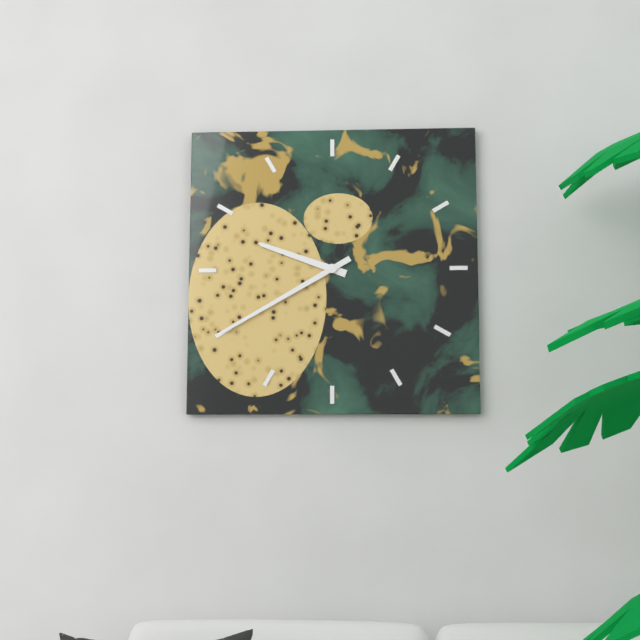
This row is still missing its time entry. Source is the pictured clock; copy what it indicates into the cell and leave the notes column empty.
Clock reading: 9:40
